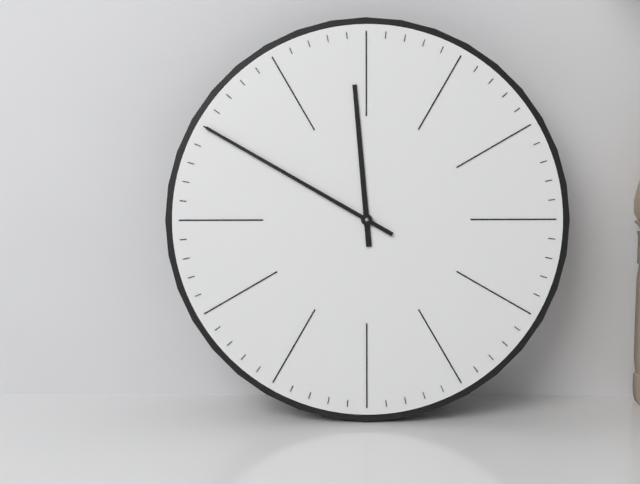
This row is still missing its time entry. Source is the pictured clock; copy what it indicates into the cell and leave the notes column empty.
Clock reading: 11:50
